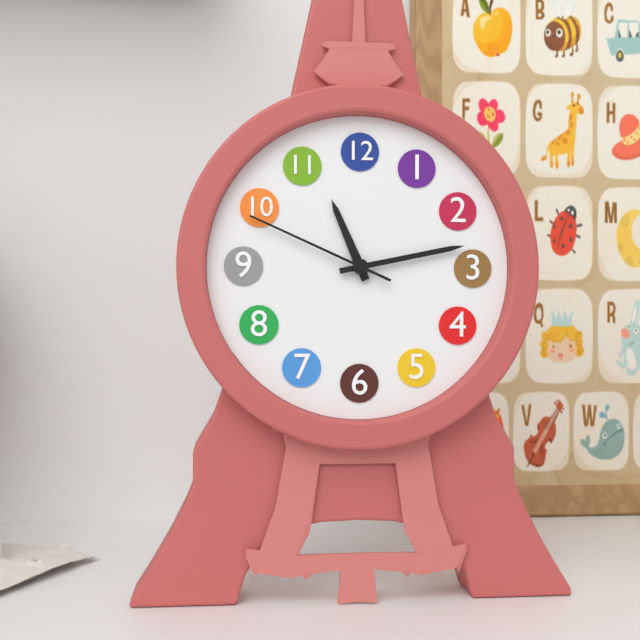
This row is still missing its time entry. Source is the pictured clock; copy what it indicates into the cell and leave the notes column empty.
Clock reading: 11:13:49
